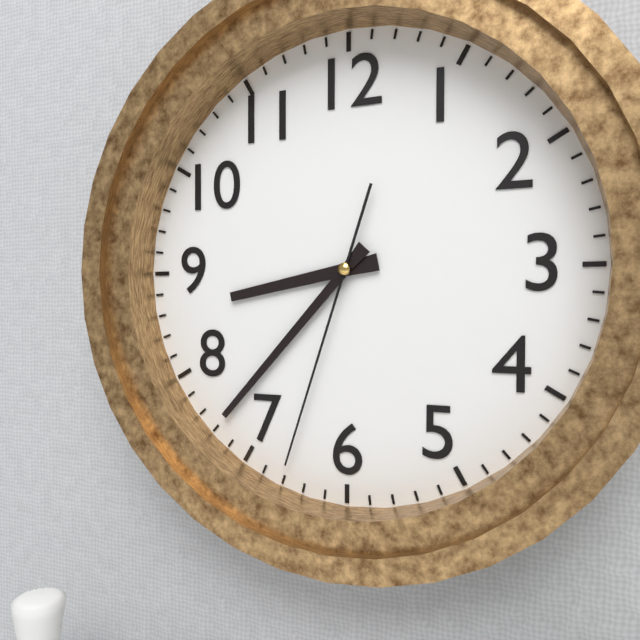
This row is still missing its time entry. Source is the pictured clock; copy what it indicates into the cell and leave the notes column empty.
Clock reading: 8:37:33
